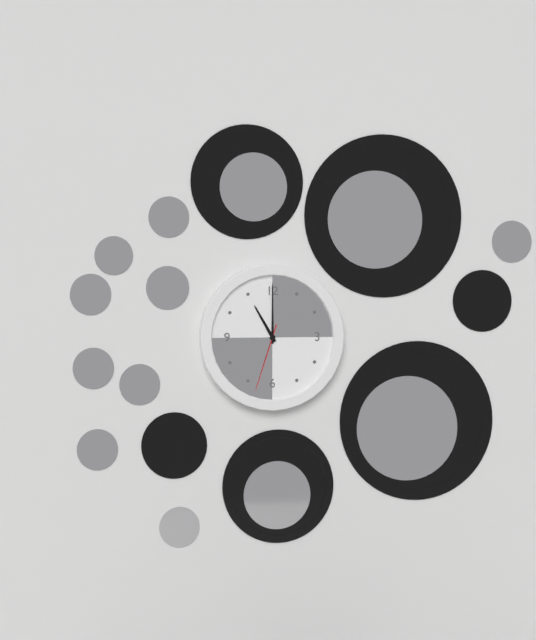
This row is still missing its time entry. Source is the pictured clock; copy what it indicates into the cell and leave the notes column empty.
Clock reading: 11:00:33
